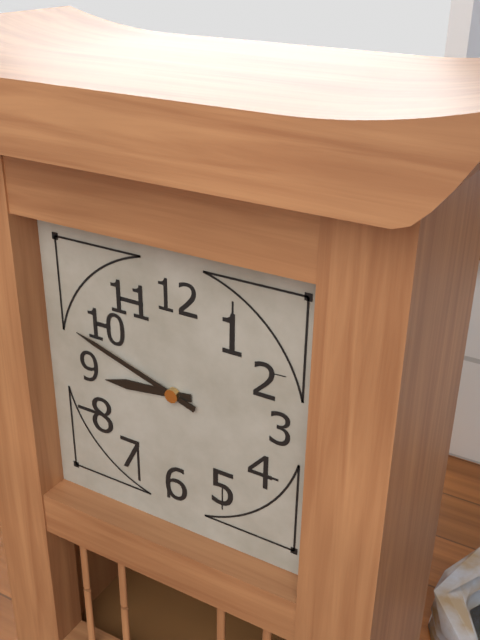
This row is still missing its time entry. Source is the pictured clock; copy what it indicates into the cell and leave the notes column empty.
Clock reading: 8:48
